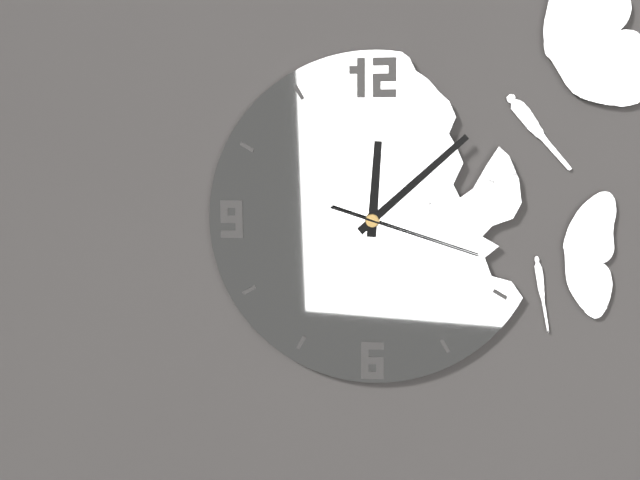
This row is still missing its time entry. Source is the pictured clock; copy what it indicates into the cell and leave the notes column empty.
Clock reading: 12:08:18
